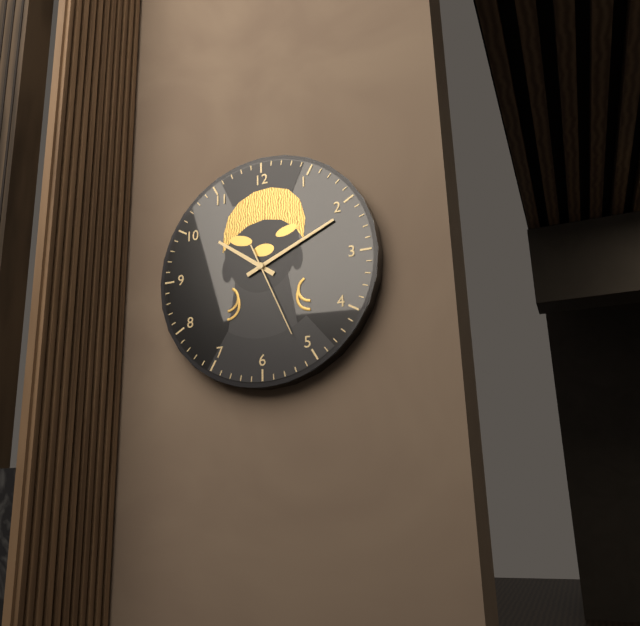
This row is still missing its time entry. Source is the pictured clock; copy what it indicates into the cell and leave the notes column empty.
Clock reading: 10:11:26
